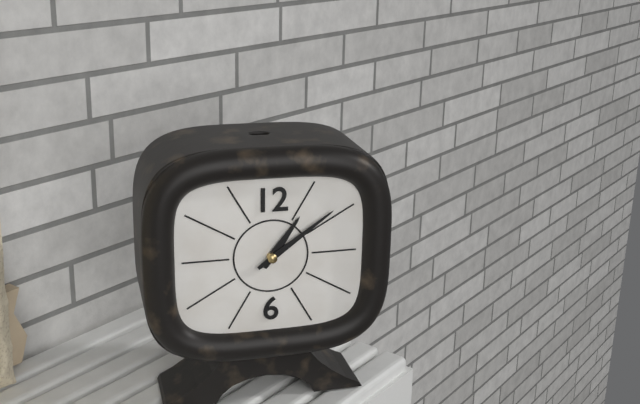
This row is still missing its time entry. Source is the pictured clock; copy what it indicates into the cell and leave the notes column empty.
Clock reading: 1:09
